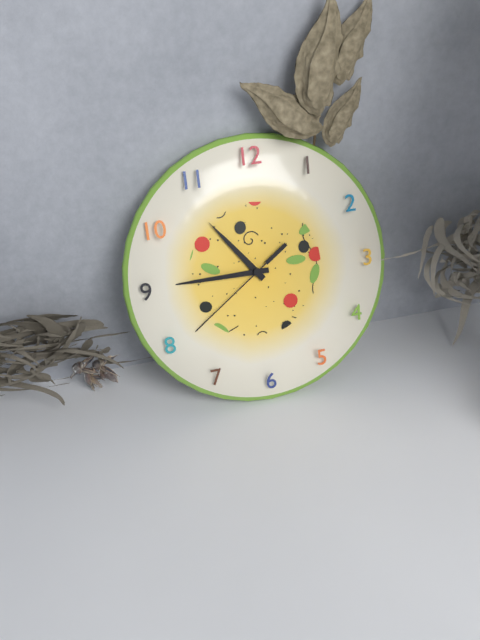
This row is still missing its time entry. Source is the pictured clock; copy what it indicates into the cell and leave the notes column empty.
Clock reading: 10:45:39
